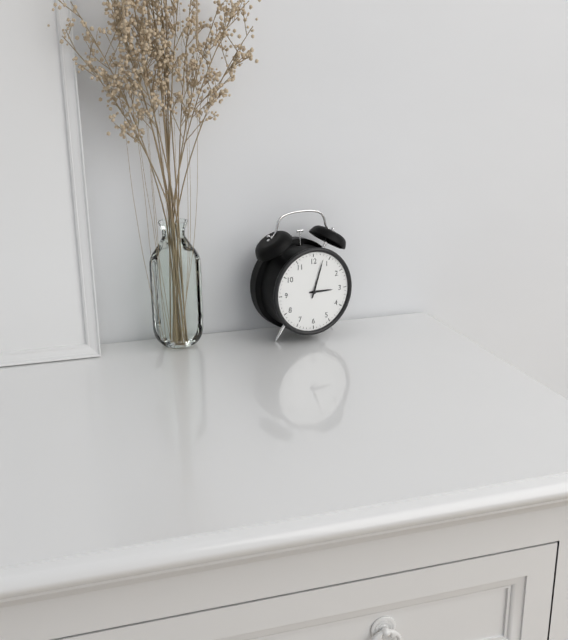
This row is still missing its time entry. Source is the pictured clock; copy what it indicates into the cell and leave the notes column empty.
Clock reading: 3:03
